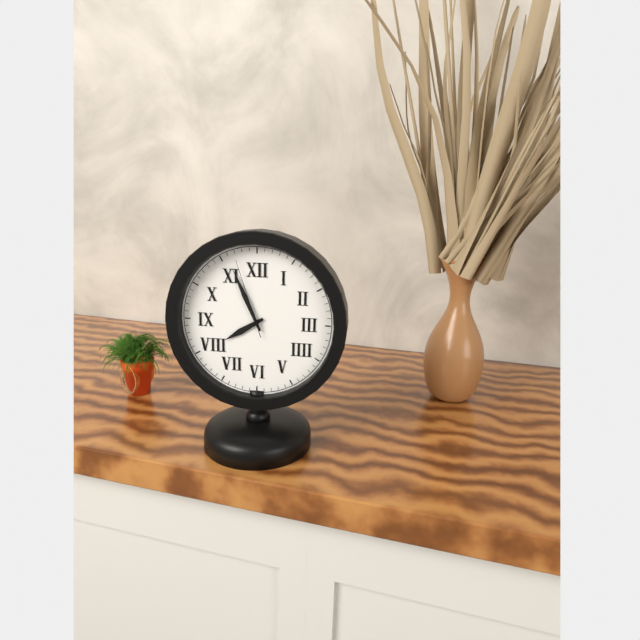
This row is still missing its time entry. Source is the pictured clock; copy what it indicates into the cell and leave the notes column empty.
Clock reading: 7:56:57
